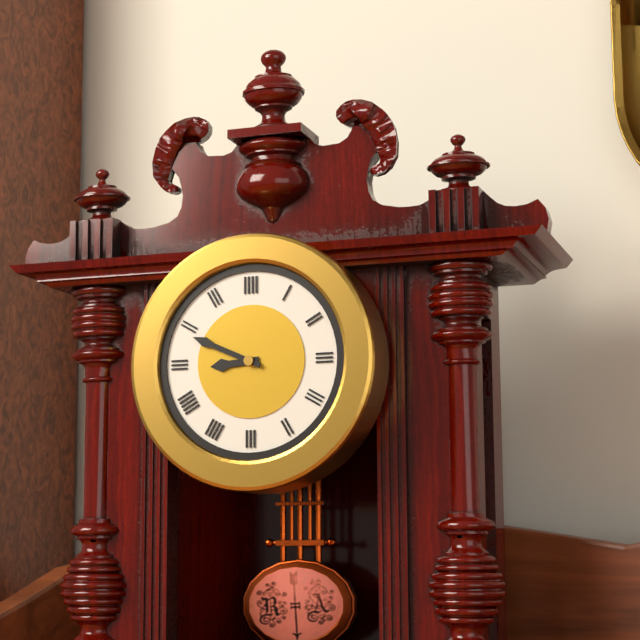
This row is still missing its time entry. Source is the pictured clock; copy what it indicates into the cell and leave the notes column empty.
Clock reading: 8:49
